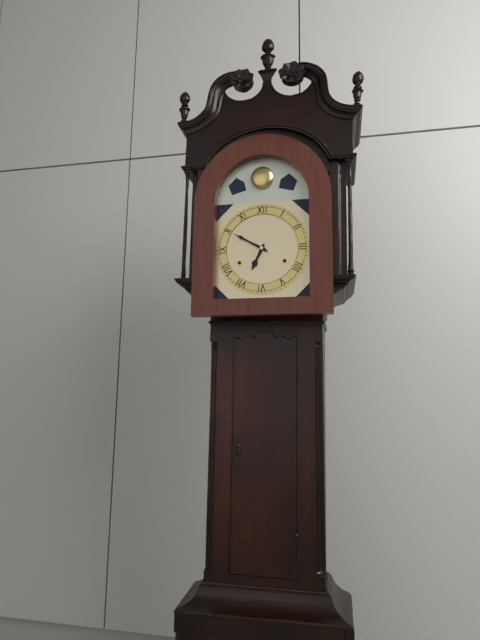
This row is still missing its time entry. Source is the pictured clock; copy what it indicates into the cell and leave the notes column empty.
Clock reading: 6:50
